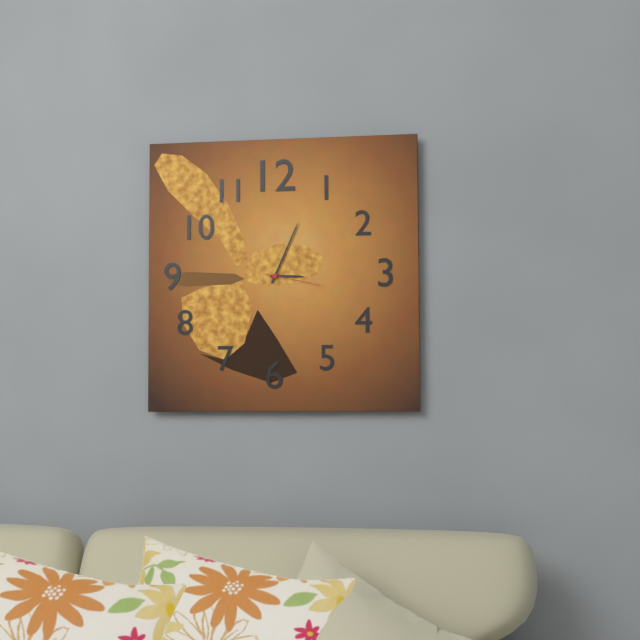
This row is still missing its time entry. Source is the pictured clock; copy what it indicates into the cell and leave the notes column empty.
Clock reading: 3:04:17
